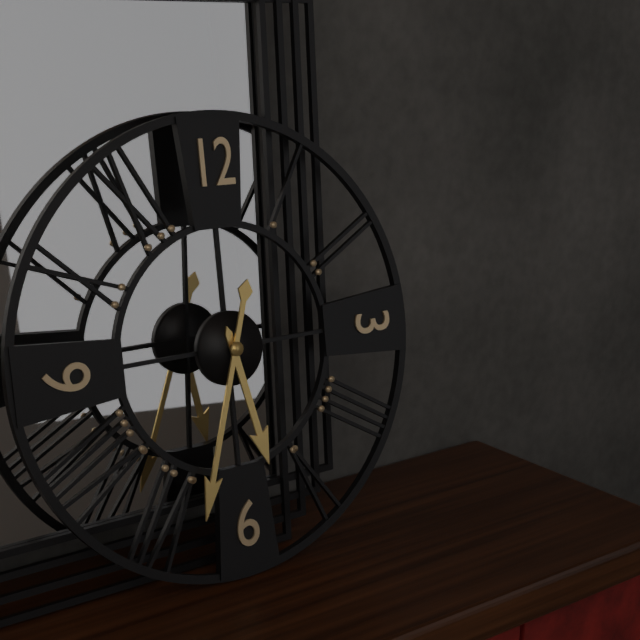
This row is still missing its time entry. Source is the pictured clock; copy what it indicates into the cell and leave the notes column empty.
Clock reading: 5:33
